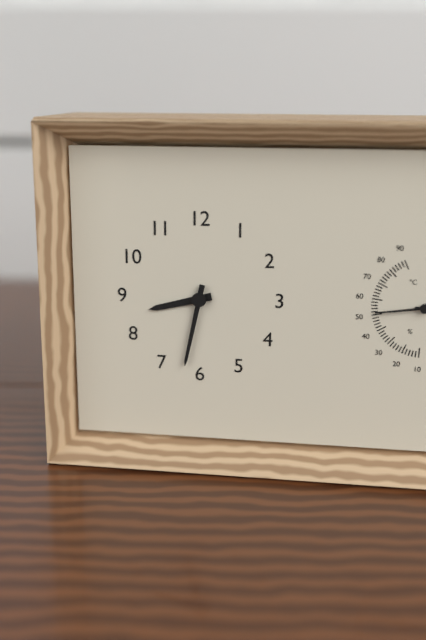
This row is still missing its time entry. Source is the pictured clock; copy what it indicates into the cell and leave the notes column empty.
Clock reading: 8:32
